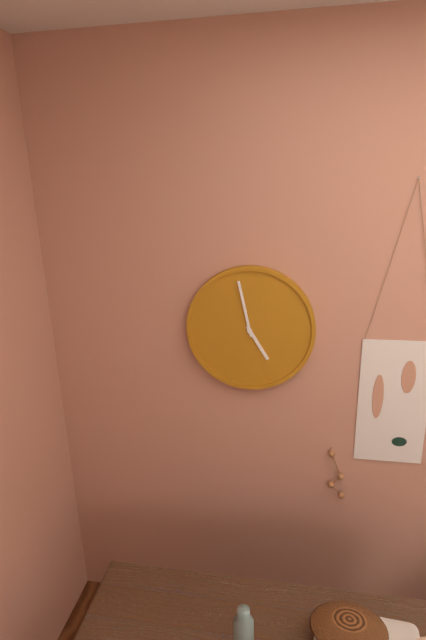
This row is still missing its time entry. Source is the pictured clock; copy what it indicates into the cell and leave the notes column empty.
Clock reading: 4:58
